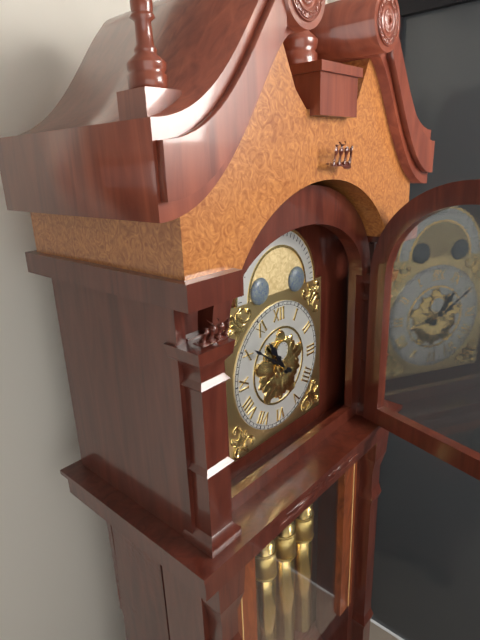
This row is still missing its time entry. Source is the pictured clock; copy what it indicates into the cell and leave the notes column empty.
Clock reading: 10:51
